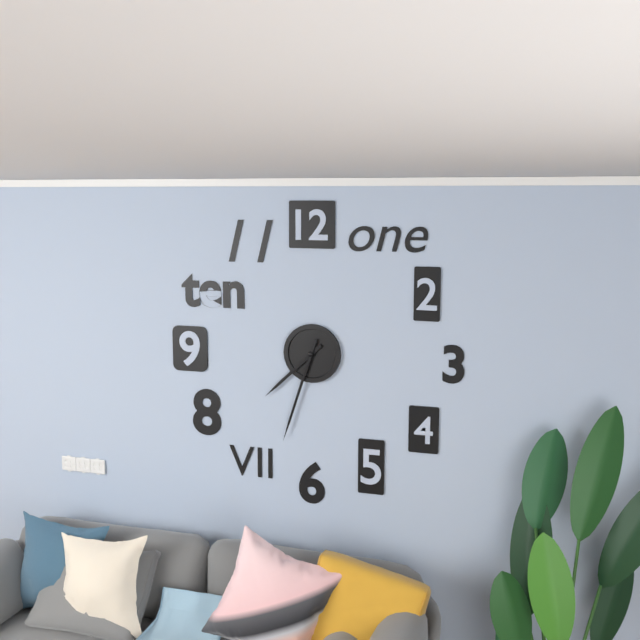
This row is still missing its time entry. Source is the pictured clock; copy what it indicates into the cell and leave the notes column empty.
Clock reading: 7:33
